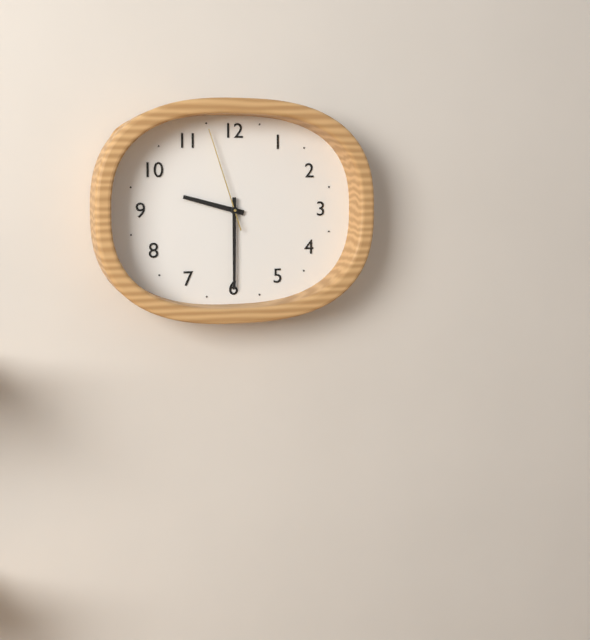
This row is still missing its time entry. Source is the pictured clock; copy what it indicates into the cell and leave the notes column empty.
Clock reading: 9:30:57
